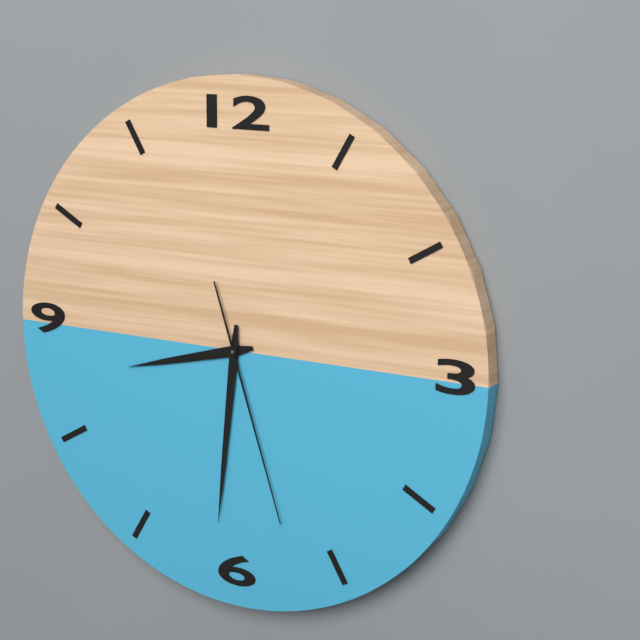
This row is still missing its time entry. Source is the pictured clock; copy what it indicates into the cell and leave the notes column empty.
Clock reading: 8:31:27
